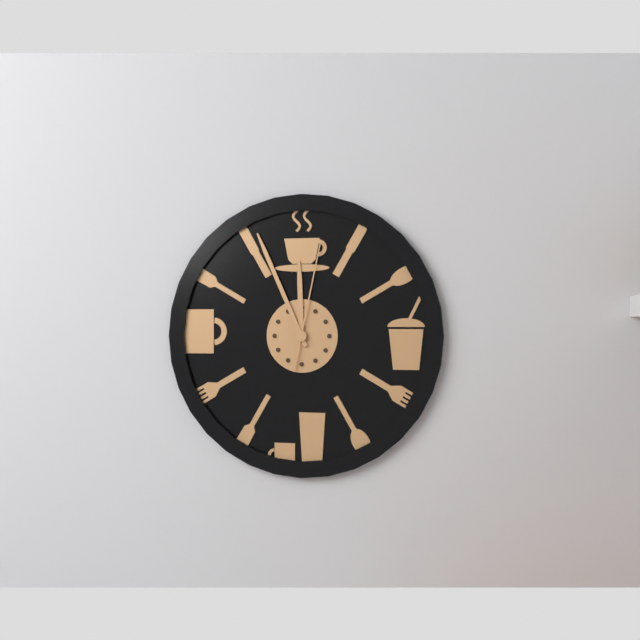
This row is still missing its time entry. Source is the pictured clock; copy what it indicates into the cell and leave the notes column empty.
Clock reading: 11:56:02
